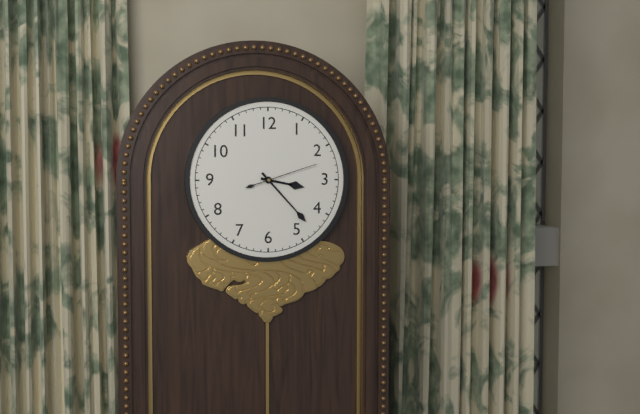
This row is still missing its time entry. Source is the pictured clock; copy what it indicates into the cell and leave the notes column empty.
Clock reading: 3:23:12
